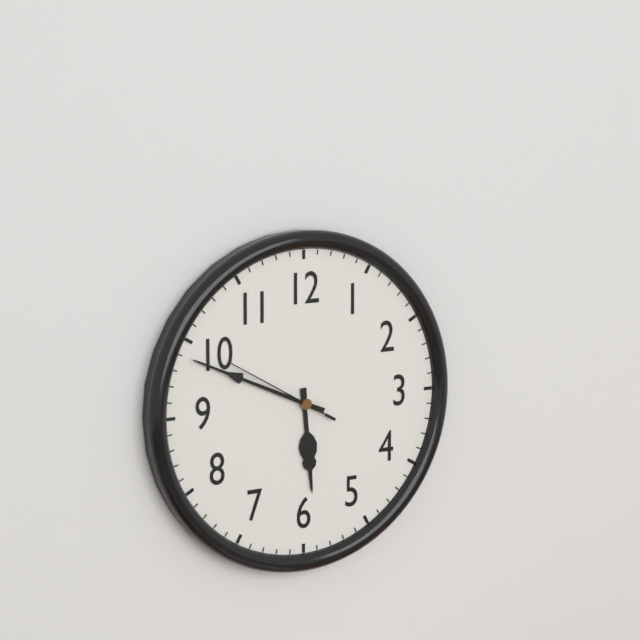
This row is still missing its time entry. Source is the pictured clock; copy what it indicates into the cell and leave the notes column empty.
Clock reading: 5:49:50
